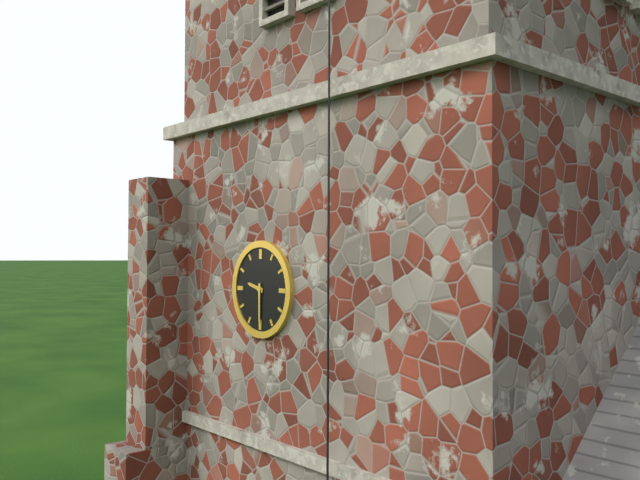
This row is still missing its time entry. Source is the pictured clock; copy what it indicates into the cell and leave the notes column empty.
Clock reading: 9:30
